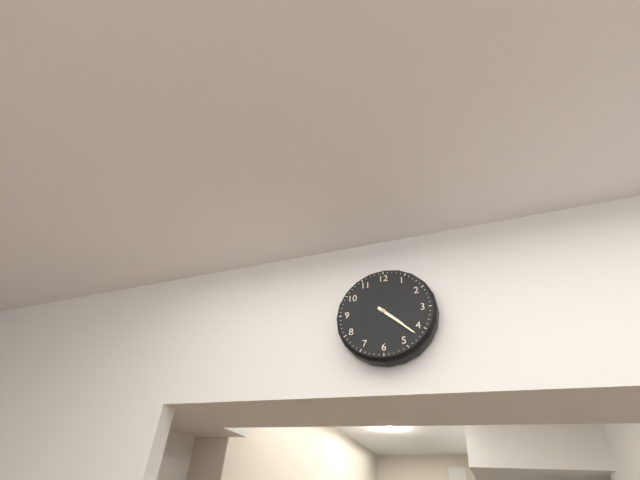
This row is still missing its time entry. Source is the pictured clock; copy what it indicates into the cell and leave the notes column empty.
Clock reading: 4:22
